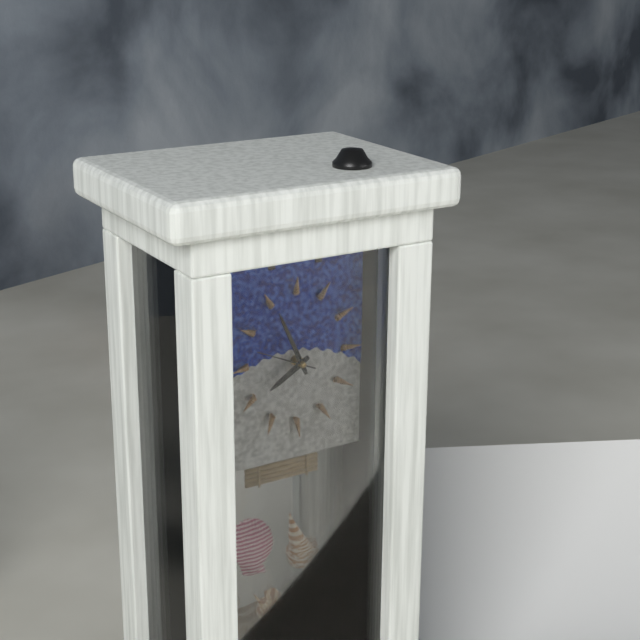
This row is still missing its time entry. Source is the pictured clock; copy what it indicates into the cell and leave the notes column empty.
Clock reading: 7:56:49
